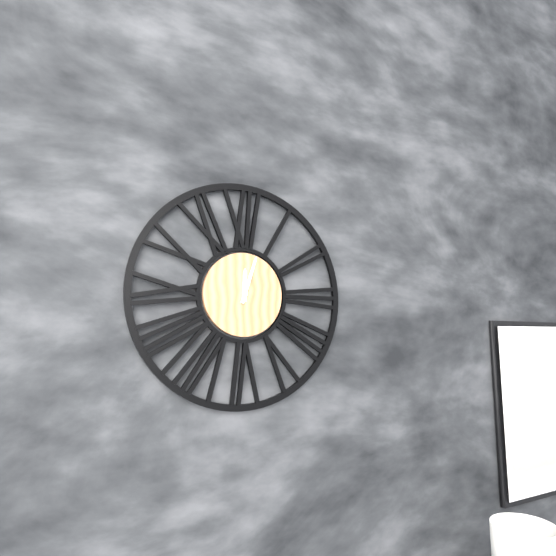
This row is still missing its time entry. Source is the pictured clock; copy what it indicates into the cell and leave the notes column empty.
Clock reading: 12:03
